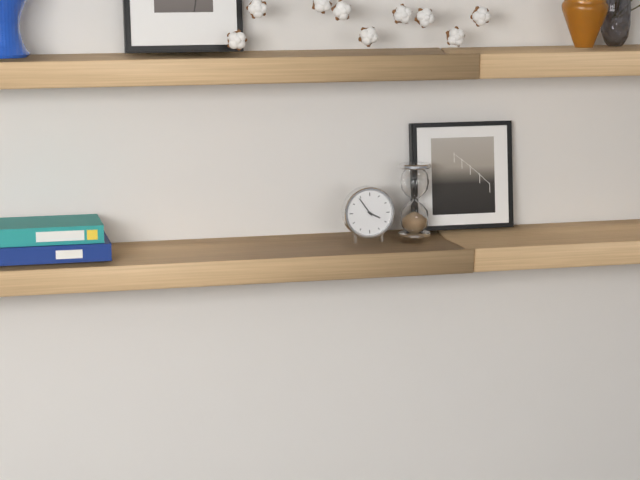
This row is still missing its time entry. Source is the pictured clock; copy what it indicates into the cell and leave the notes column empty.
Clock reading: 3:54
